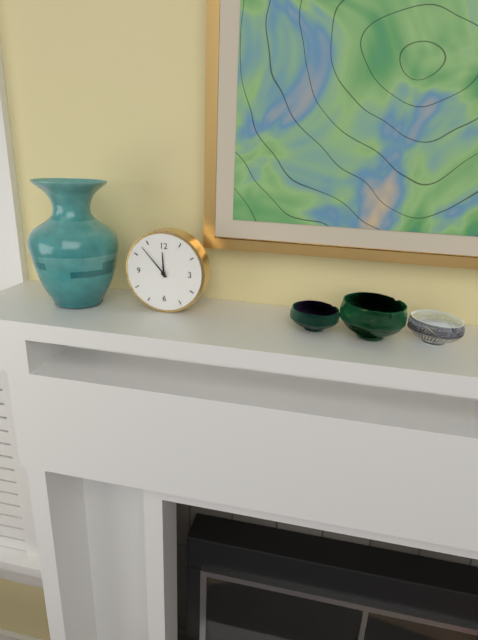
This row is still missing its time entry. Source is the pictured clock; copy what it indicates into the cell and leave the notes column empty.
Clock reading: 11:53
